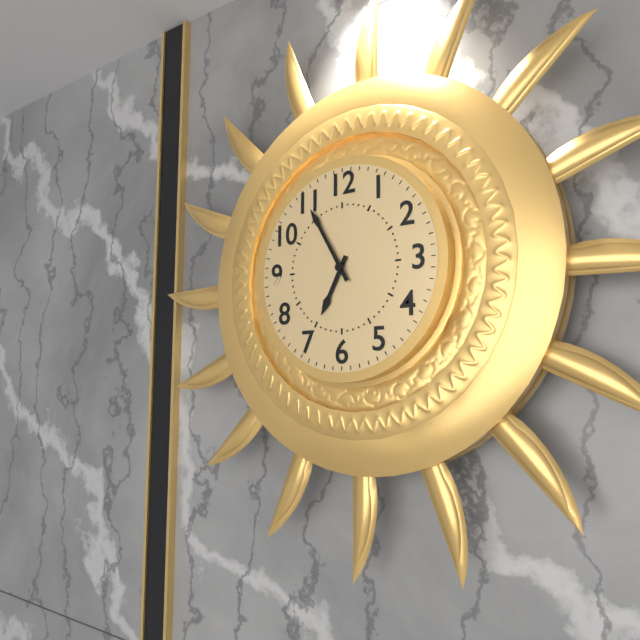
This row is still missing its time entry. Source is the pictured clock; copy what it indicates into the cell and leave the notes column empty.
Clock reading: 6:55
